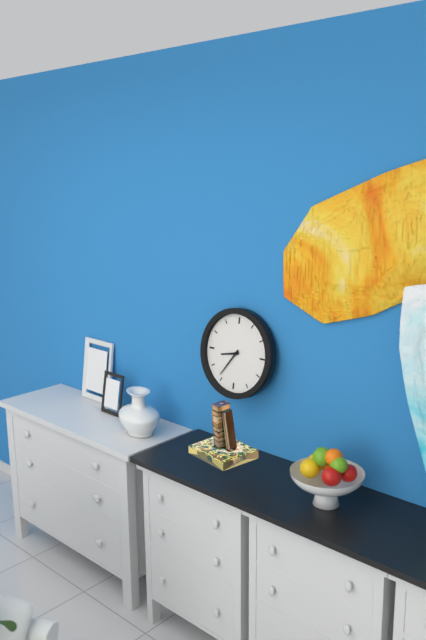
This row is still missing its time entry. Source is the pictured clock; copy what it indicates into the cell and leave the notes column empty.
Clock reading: 8:36
